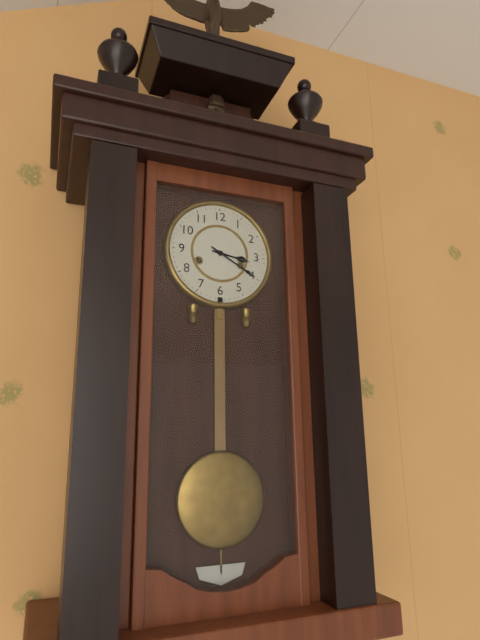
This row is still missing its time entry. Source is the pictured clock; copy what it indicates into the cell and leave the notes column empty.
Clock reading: 3:20
